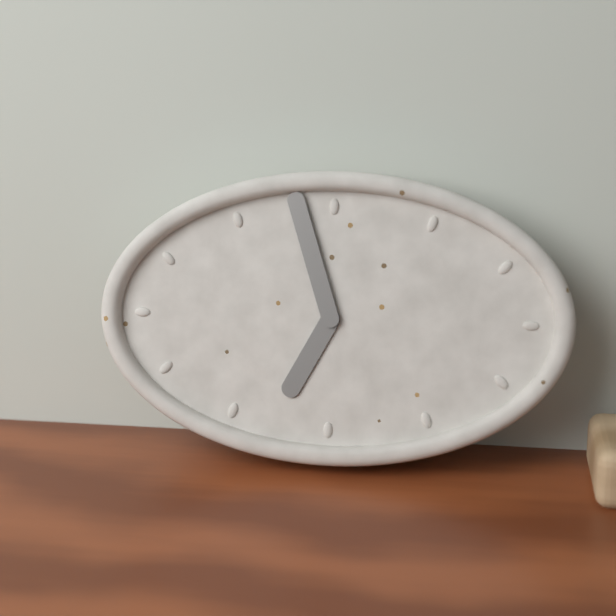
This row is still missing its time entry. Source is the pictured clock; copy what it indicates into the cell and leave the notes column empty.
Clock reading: 6:57
